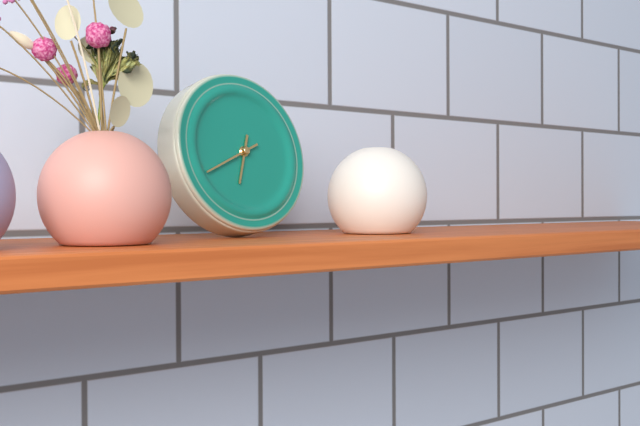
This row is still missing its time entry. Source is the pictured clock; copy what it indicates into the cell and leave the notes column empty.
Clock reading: 6:41
